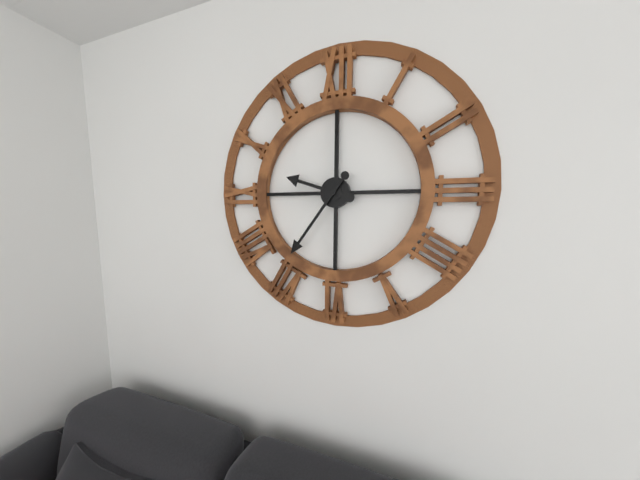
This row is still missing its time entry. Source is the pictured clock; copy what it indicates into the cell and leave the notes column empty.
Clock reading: 9:36
